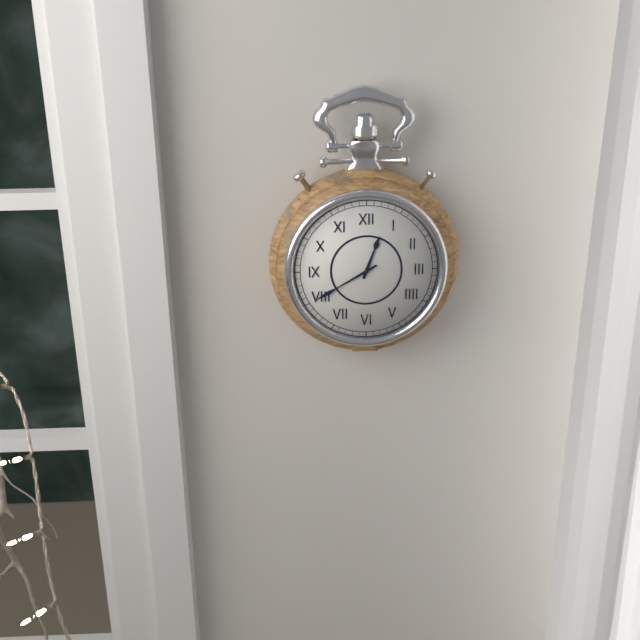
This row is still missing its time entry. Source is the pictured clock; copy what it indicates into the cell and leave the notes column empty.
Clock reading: 12:40
